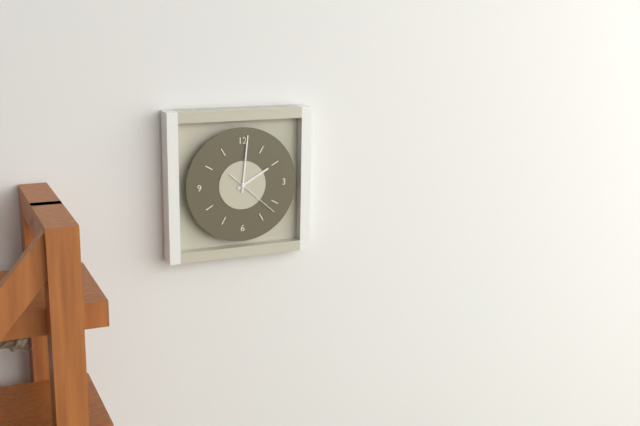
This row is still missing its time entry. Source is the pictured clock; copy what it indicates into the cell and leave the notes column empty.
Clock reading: 2:01:22
